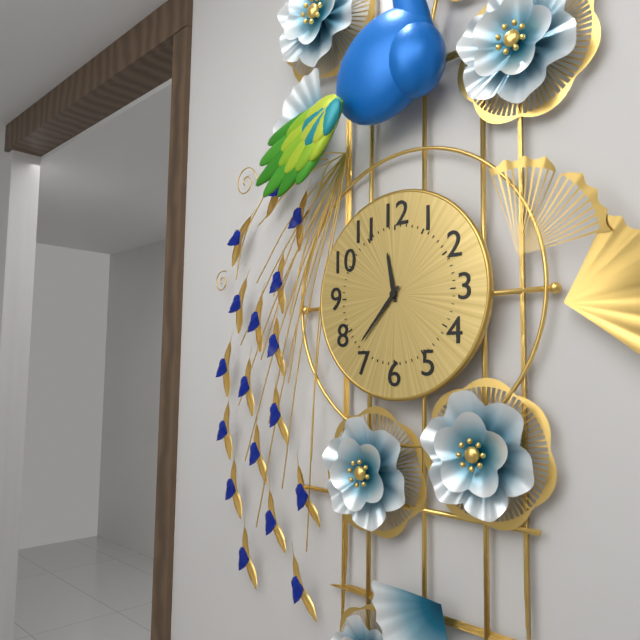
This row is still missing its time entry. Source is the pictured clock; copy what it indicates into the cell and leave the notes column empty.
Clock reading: 11:37
